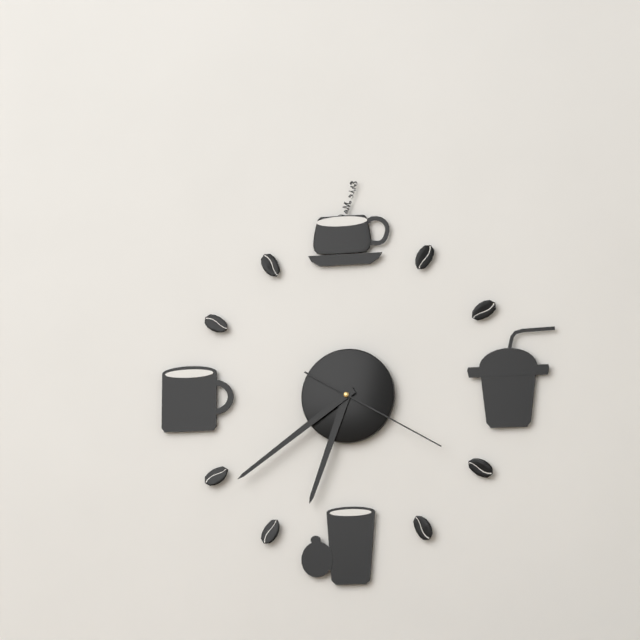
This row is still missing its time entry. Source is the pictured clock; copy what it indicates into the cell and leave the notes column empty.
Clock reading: 6:39:20
